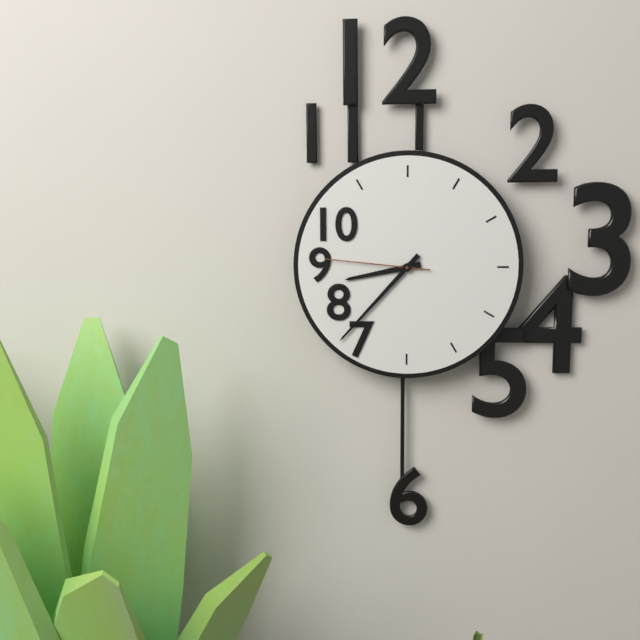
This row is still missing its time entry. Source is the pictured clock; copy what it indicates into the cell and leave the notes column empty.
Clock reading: 8:37:46
